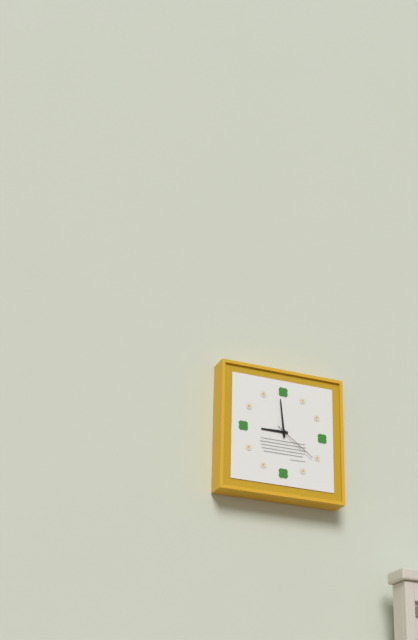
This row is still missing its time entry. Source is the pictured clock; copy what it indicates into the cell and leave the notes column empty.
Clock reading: 8:59
